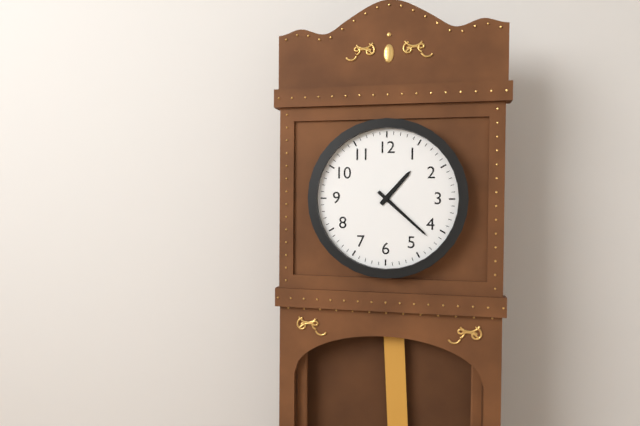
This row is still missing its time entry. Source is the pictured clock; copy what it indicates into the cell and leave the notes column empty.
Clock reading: 1:22
